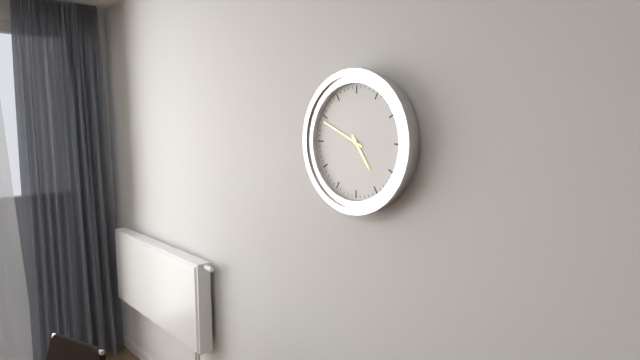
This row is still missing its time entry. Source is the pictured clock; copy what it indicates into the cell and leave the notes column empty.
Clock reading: 4:49
